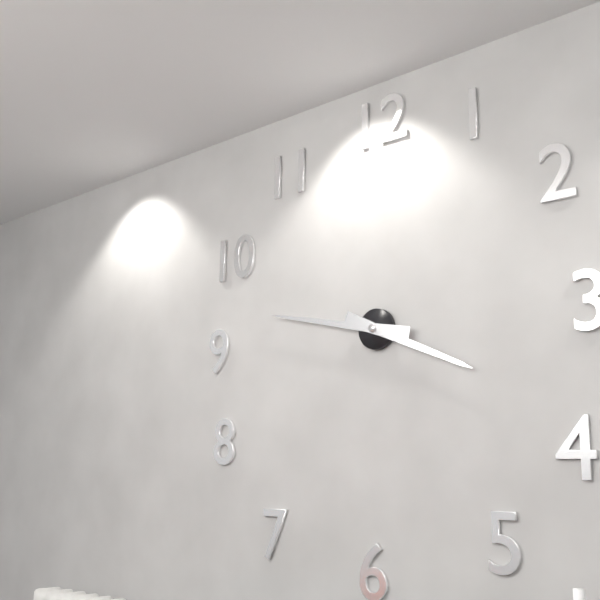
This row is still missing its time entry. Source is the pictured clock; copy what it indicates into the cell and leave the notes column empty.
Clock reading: 3:47
